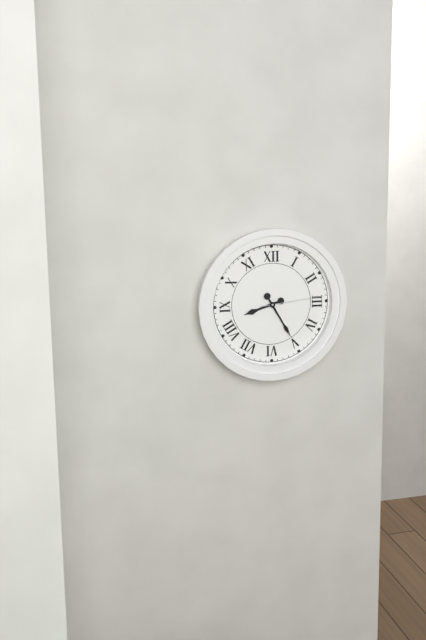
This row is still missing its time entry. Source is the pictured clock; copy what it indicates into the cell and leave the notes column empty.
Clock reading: 8:25:14
